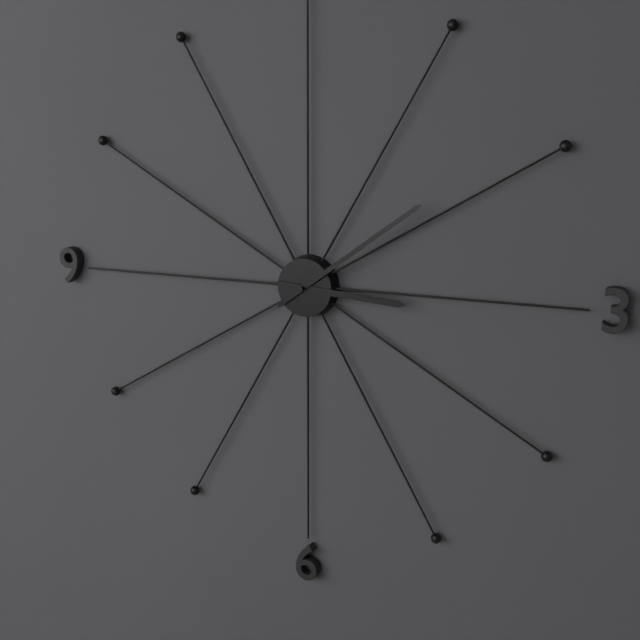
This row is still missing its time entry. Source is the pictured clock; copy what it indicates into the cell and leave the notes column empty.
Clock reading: 3:09
